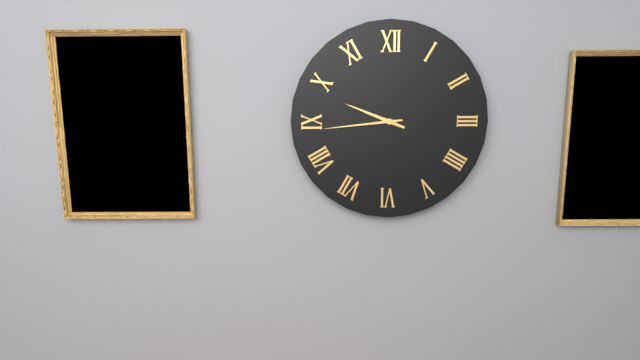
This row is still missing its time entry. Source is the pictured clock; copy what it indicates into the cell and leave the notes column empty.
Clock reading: 9:44
